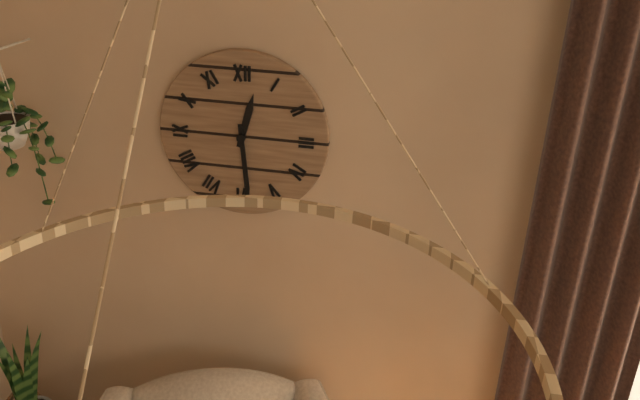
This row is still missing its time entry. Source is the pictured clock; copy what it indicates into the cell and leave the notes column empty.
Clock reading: 12:29
